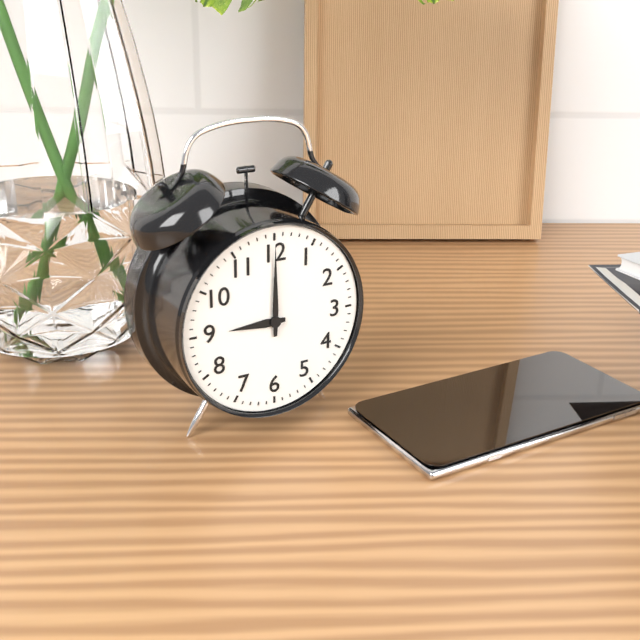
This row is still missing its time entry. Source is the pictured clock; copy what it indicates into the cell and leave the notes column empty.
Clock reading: 9:00
